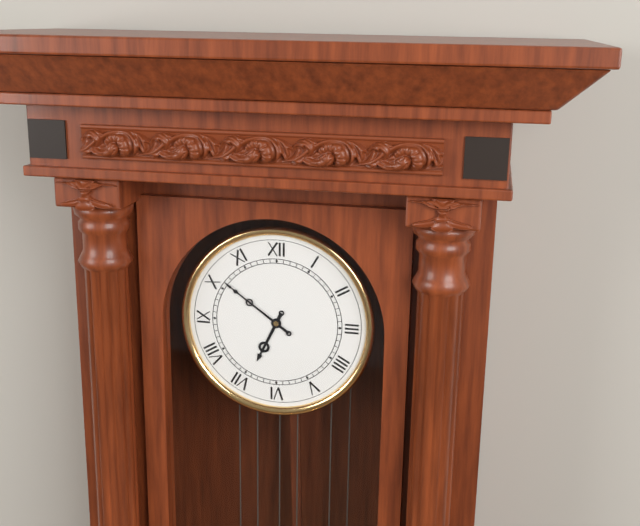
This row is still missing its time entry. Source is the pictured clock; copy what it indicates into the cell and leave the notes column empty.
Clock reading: 6:51
